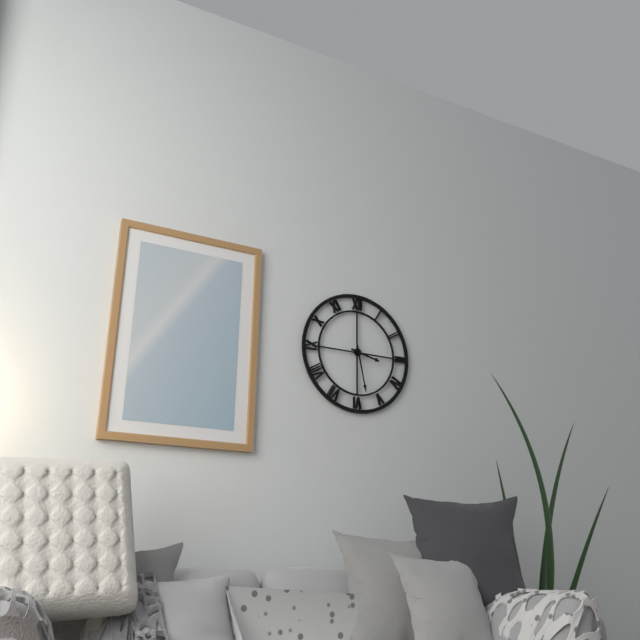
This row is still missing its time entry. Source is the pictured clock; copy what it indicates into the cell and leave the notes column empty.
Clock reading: 3:28
